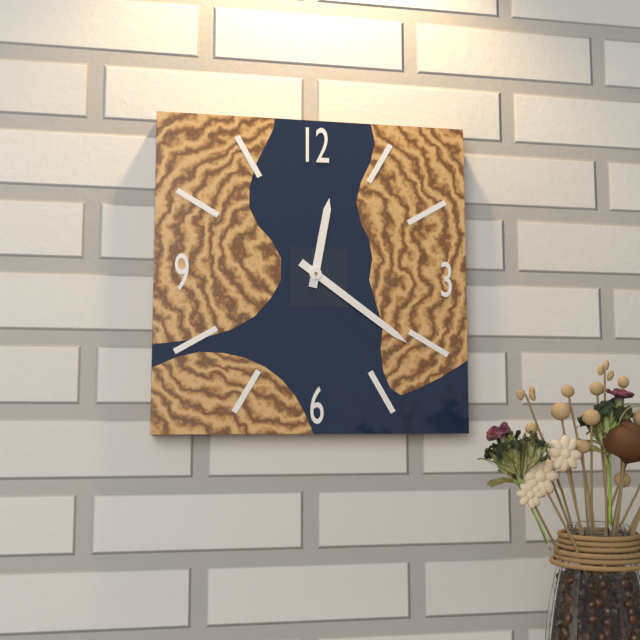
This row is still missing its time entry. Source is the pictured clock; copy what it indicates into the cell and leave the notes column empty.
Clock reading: 12:21
